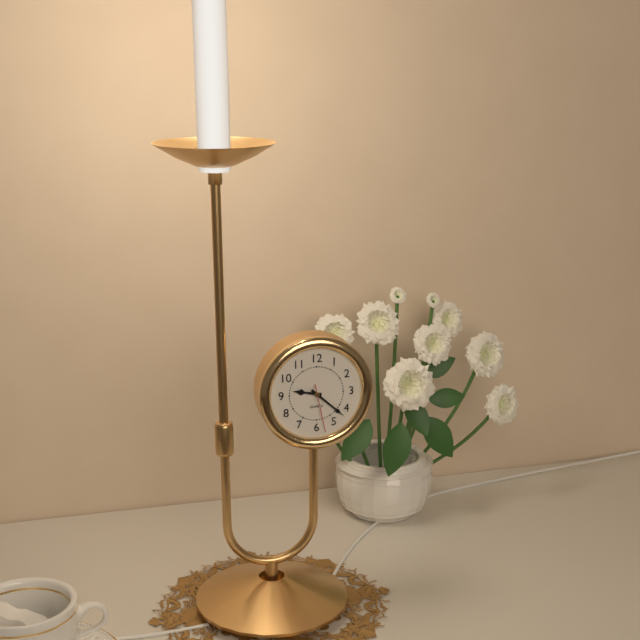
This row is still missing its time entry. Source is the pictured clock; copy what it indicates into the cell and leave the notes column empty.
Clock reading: 9:22
